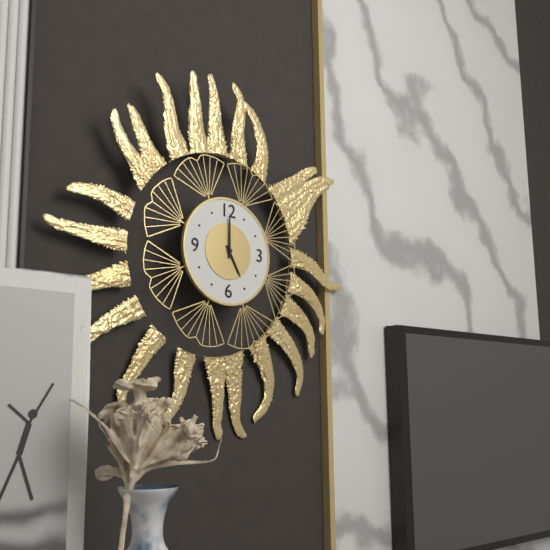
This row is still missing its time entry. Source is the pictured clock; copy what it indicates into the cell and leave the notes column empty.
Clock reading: 5:00
